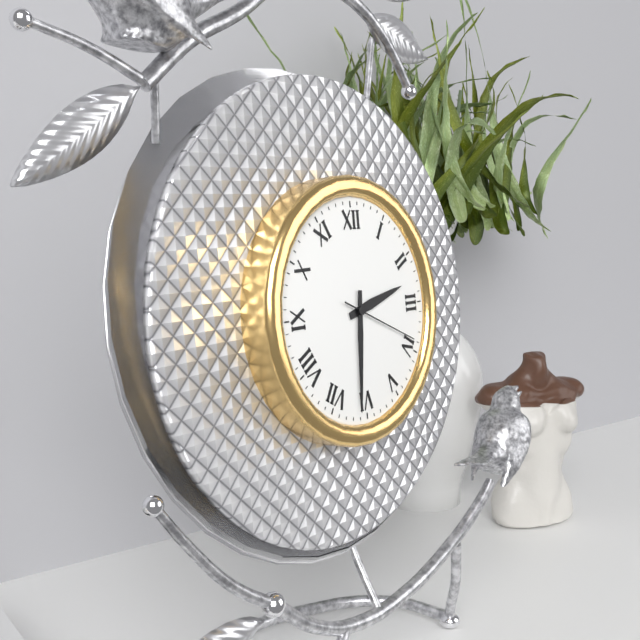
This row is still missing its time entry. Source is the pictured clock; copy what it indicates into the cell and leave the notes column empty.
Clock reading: 2:31:19
